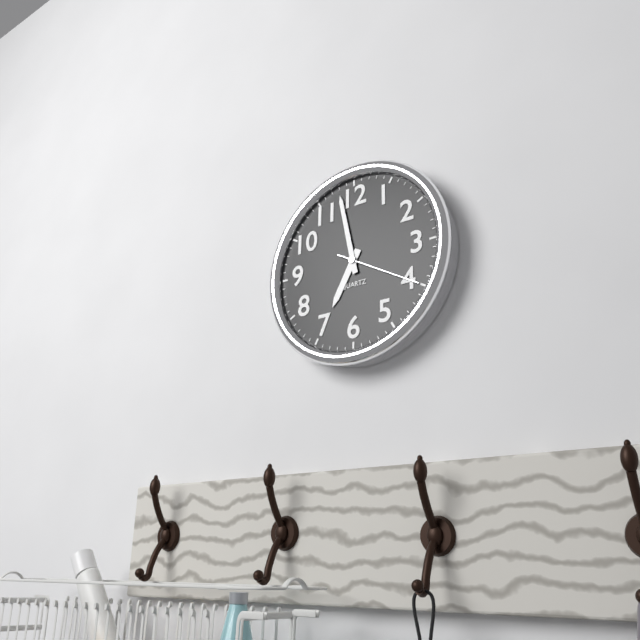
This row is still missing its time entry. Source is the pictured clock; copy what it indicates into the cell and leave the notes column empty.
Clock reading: 6:58:20
